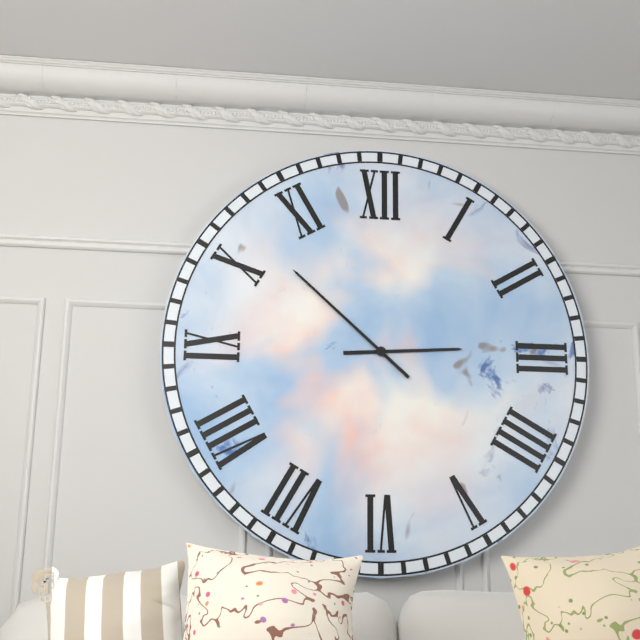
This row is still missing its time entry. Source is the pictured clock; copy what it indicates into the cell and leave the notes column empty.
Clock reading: 2:52
